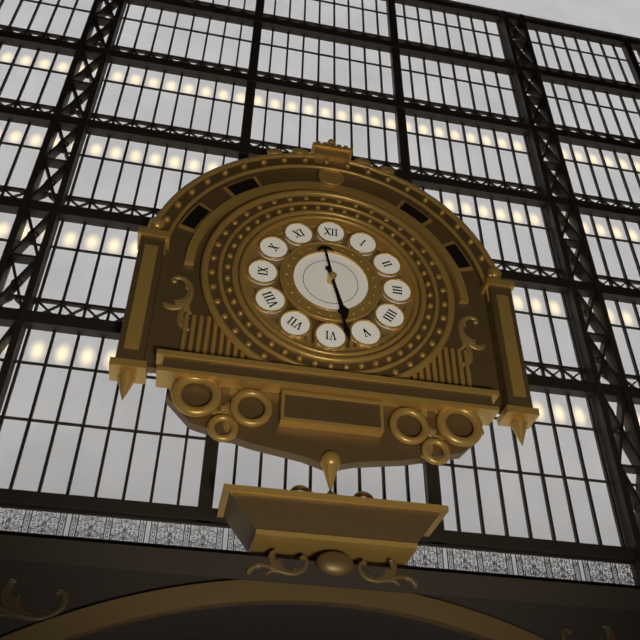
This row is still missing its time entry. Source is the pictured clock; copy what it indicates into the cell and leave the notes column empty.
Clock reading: 5:28
